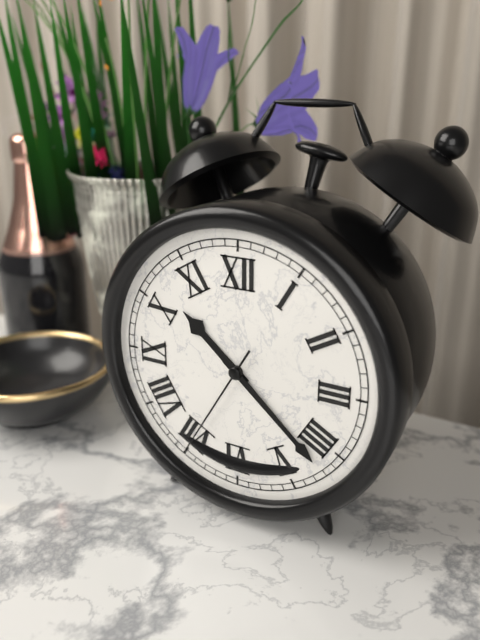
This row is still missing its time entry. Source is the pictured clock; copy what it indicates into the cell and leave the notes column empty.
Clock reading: 10:22:35
